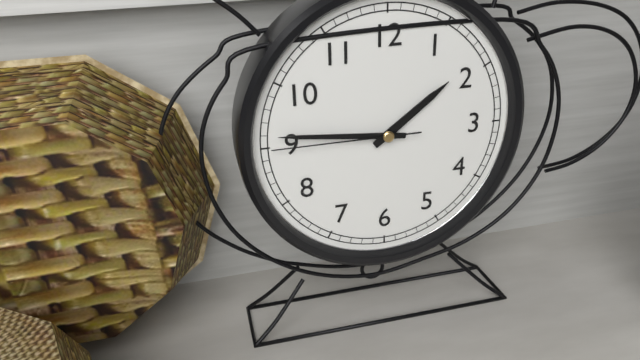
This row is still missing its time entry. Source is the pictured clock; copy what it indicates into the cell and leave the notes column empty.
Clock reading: 1:46:45
